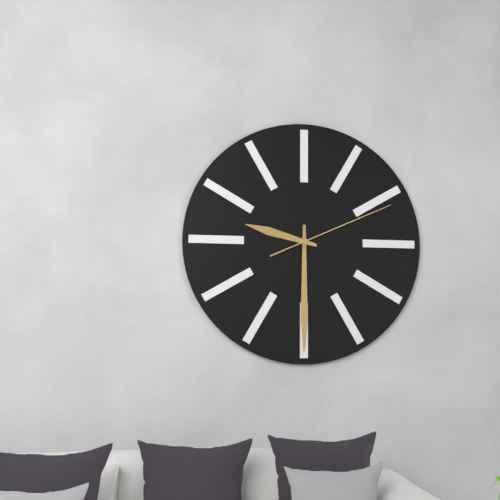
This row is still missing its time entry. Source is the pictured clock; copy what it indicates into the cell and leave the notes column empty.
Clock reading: 9:30:11
